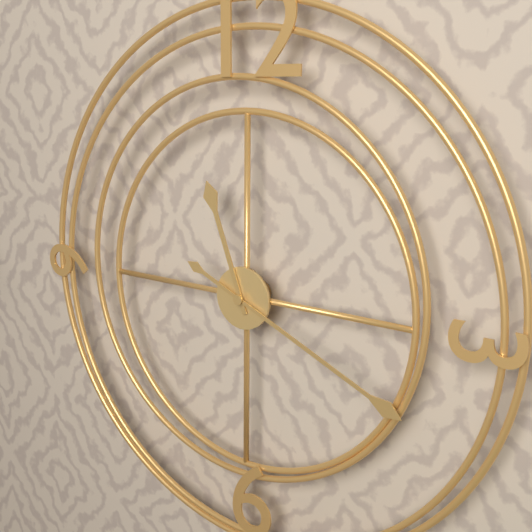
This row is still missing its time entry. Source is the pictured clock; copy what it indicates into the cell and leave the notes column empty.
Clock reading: 11:19
